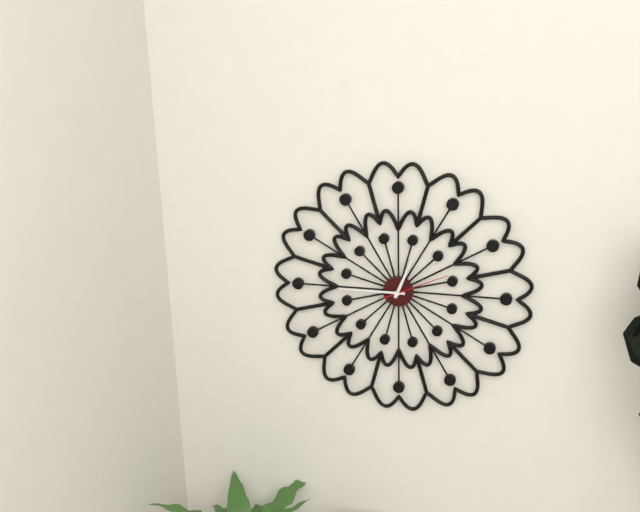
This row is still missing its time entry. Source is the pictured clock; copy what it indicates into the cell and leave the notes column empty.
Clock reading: 12:45:11
